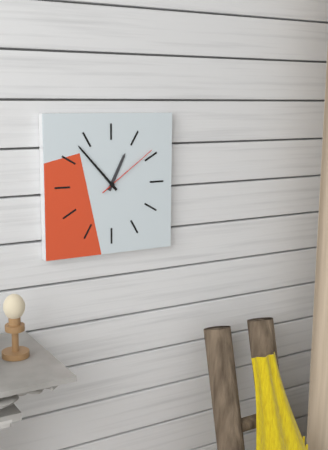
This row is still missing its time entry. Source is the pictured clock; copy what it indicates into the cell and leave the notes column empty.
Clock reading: 12:53:09
